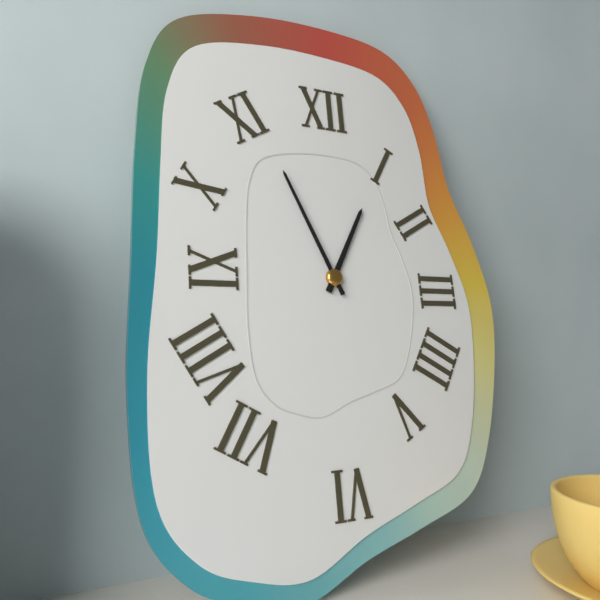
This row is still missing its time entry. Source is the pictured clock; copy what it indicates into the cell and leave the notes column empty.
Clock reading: 12:56
